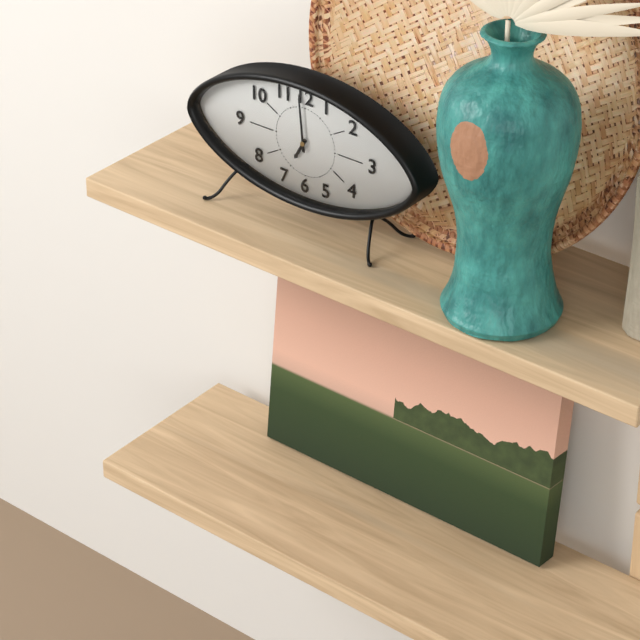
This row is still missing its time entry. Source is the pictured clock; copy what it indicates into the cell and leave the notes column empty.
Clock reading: 6:59
